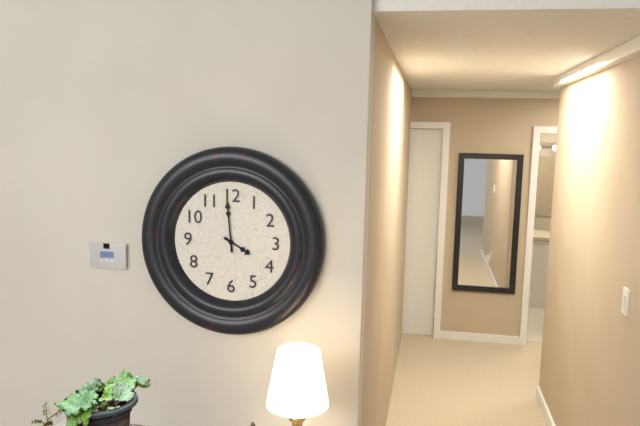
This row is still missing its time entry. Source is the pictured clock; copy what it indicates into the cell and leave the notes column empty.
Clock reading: 3:59
